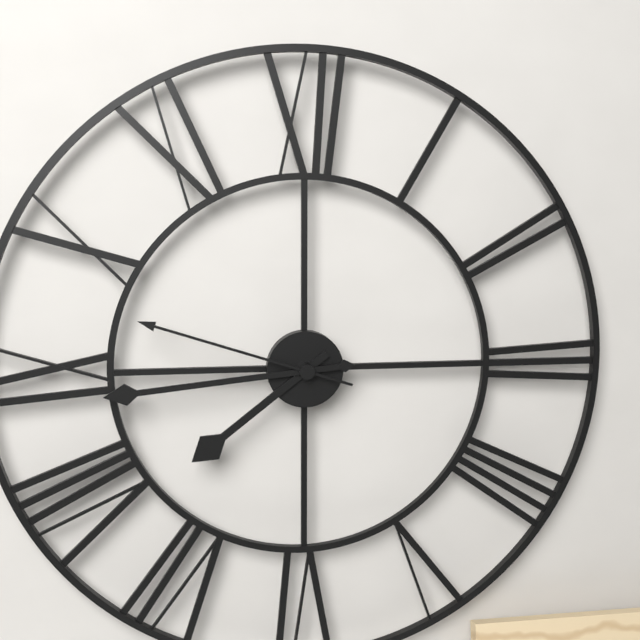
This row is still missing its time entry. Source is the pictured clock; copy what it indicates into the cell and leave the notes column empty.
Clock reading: 7:44:48
